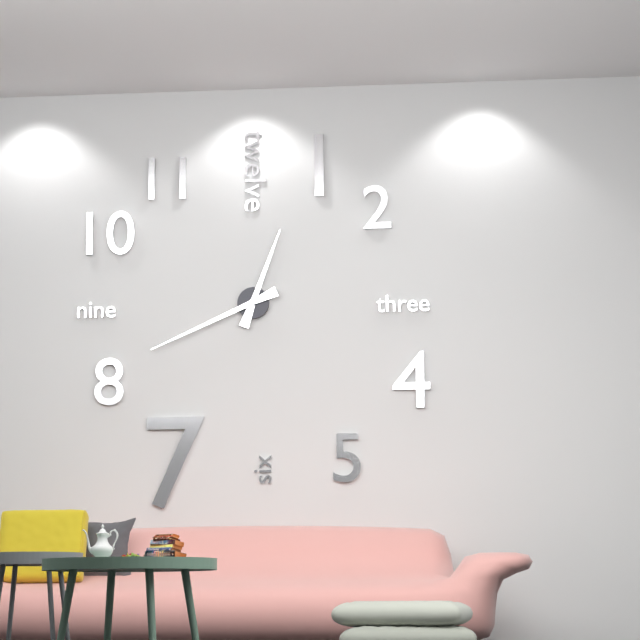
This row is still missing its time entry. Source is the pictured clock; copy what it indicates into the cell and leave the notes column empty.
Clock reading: 12:41
